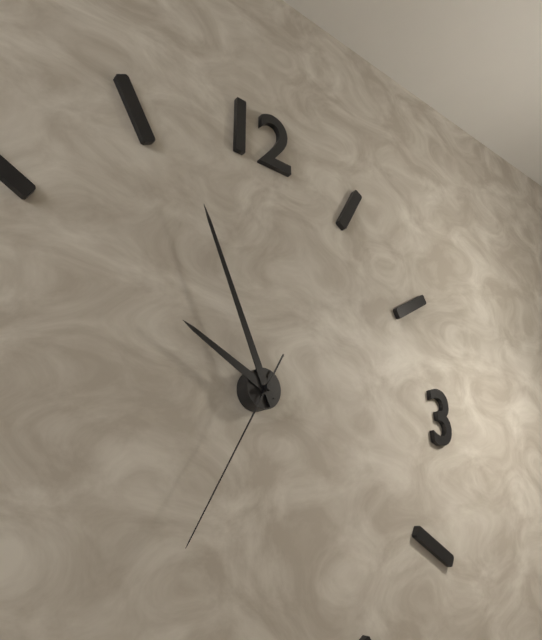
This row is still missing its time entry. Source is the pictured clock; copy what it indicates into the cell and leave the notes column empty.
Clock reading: 9:56:35
